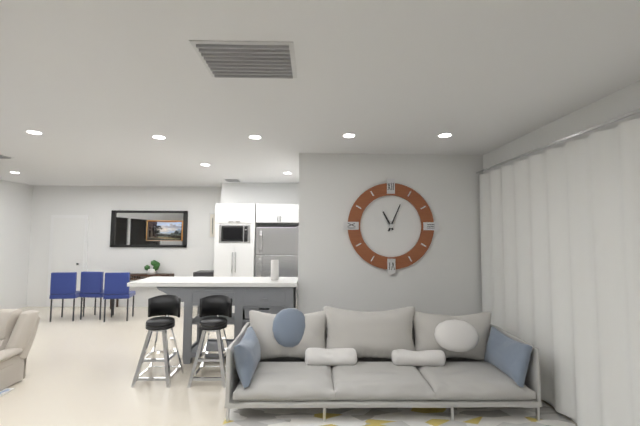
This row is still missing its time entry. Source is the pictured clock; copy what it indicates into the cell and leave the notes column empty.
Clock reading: 11:04
